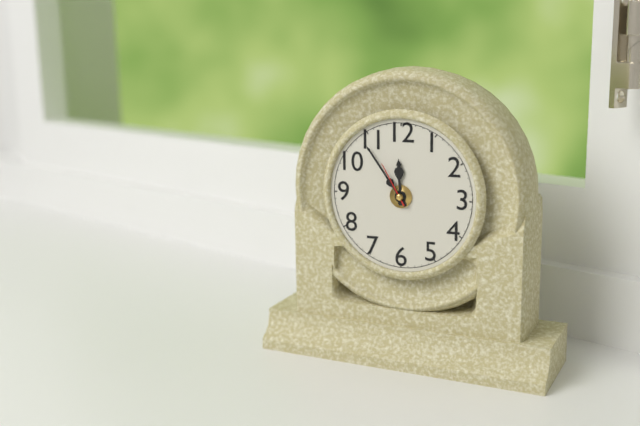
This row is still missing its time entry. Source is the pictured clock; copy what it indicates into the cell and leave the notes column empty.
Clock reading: 11:54
